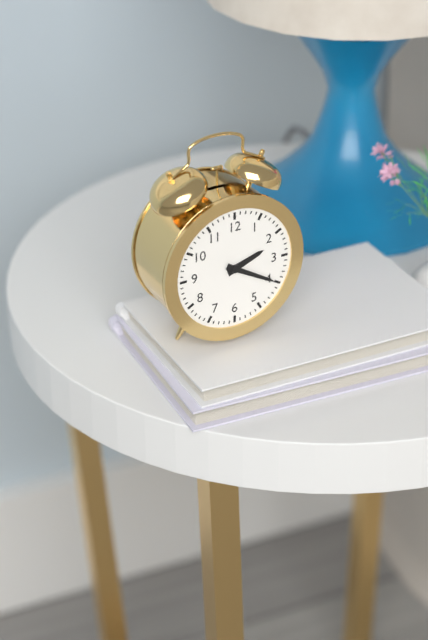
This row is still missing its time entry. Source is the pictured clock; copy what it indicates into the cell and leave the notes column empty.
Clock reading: 2:20
